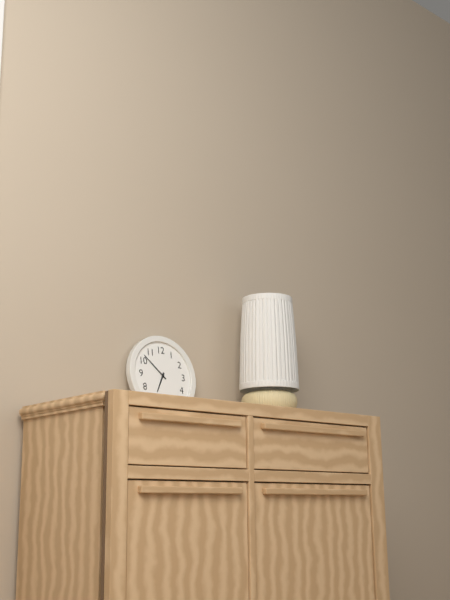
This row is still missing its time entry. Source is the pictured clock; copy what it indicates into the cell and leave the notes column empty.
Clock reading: 6:52
